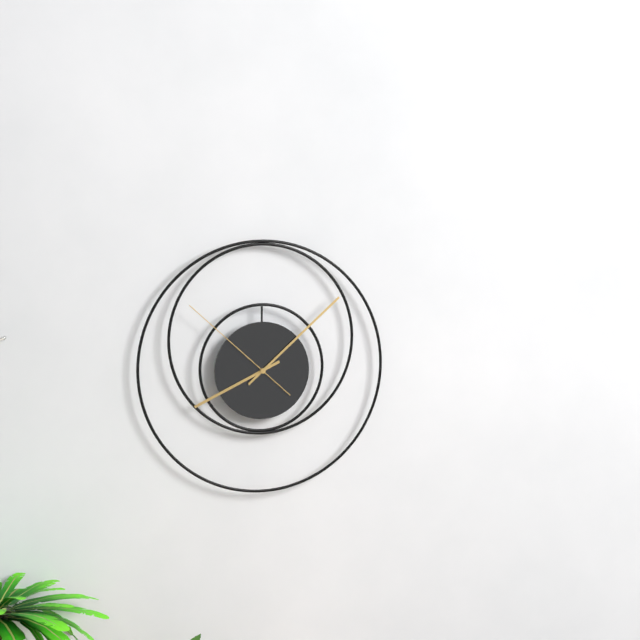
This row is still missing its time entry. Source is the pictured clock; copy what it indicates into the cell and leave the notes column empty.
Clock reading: 8:08:52
